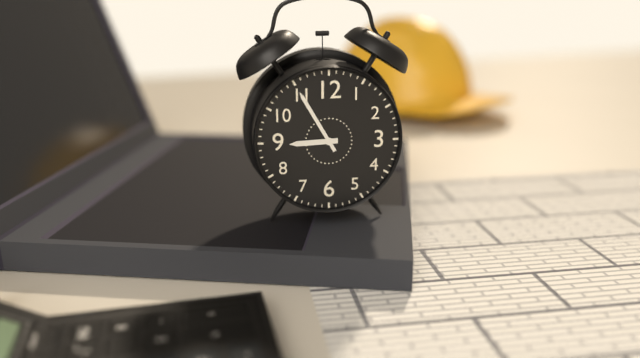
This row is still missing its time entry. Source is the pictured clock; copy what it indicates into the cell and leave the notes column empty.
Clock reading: 8:55
